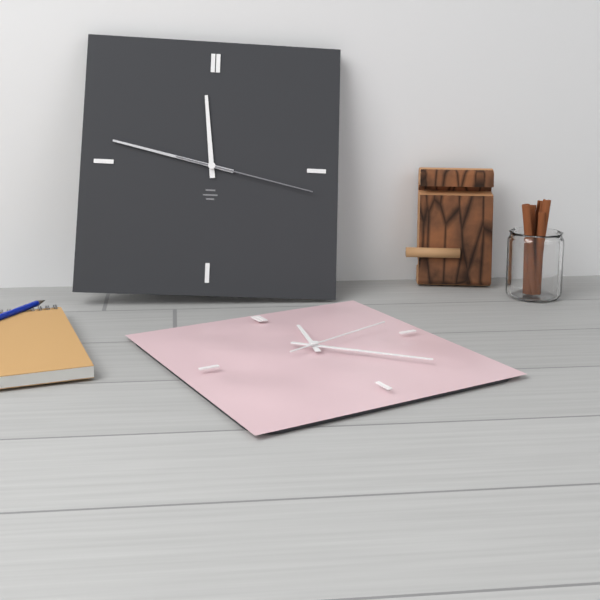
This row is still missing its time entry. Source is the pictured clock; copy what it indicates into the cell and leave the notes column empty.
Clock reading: 11:47:17
